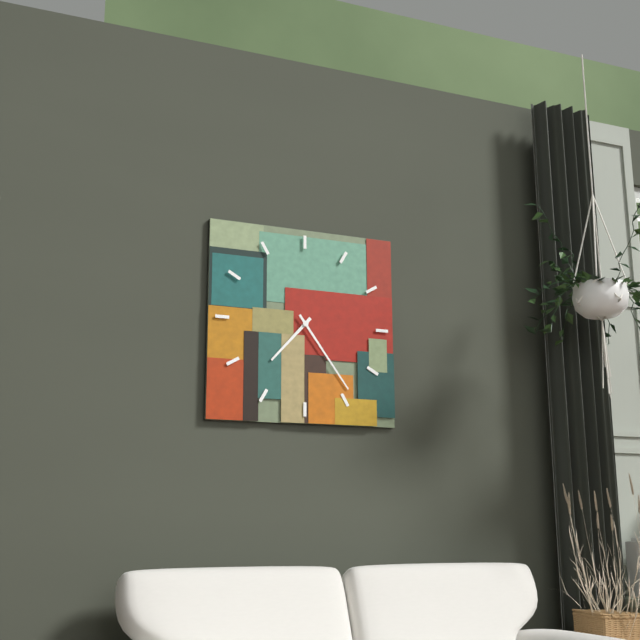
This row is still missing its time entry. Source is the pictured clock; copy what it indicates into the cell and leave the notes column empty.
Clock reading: 7:24
